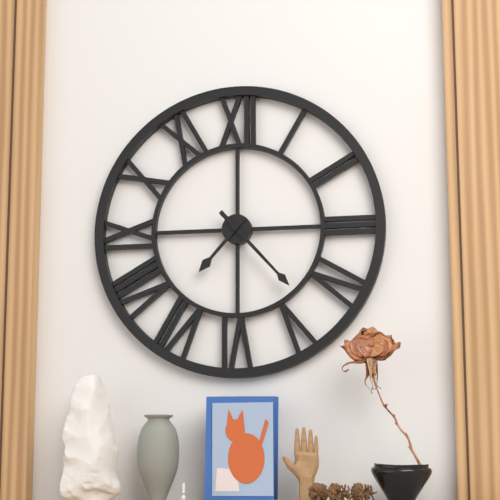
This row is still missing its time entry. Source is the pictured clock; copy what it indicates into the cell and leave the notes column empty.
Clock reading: 7:23
